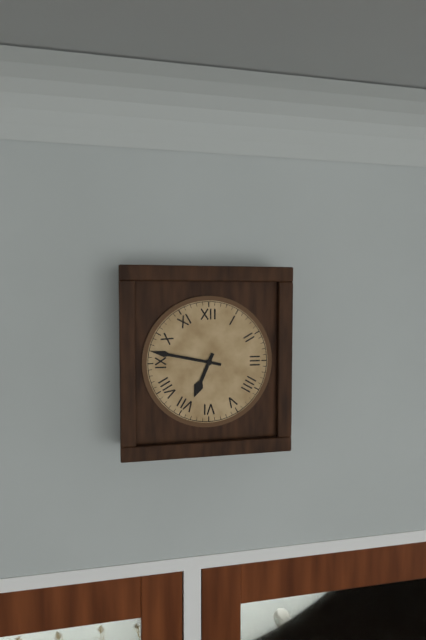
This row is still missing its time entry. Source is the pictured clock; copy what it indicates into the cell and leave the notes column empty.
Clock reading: 6:47
